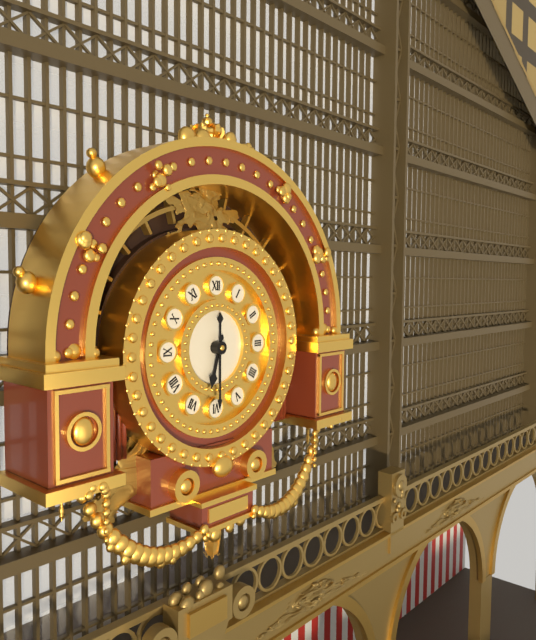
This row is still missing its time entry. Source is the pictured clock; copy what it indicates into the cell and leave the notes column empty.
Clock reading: 6:30
